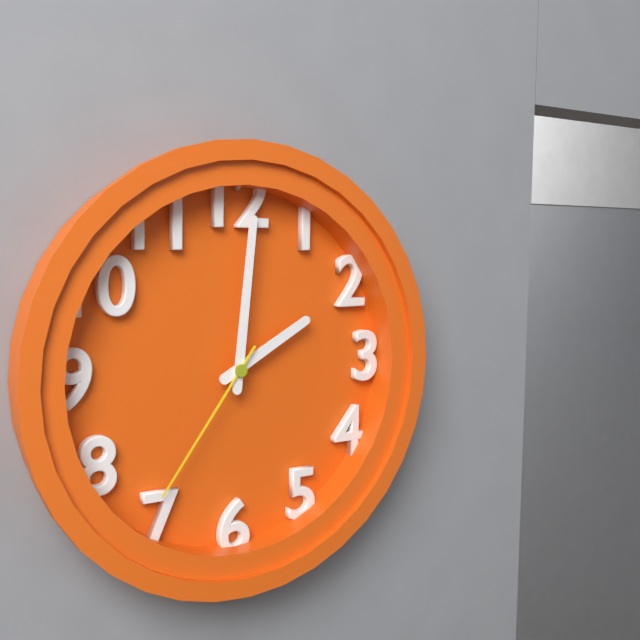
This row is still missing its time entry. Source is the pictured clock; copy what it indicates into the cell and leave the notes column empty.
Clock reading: 2:01:36
